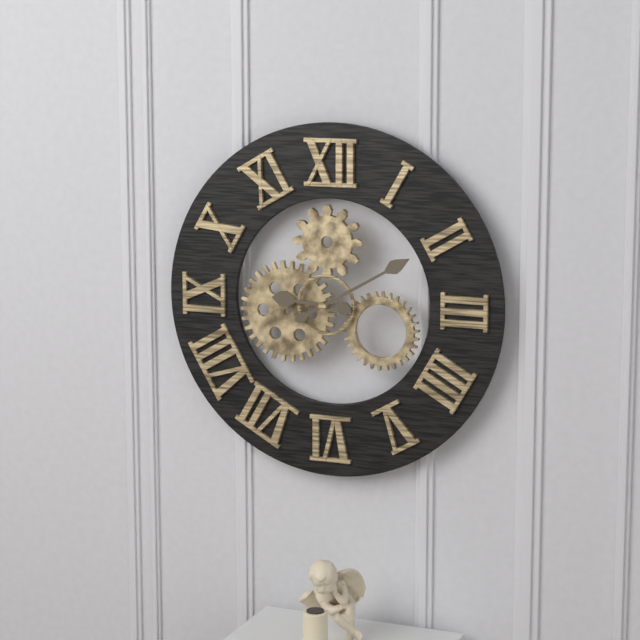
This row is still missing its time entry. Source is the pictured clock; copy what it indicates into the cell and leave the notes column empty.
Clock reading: 9:10
